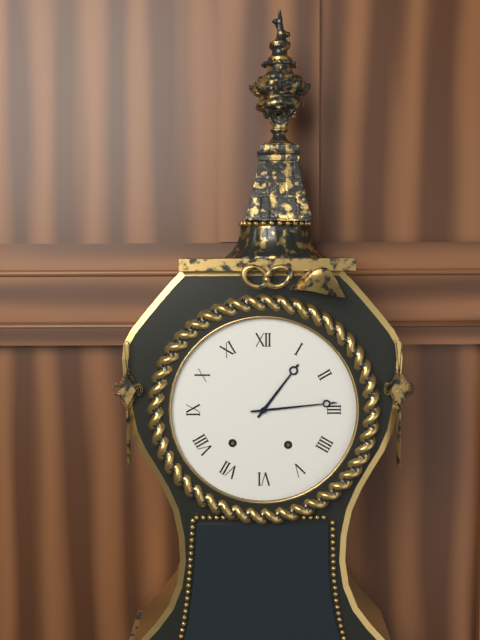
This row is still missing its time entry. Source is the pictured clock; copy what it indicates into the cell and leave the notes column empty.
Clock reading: 1:14
